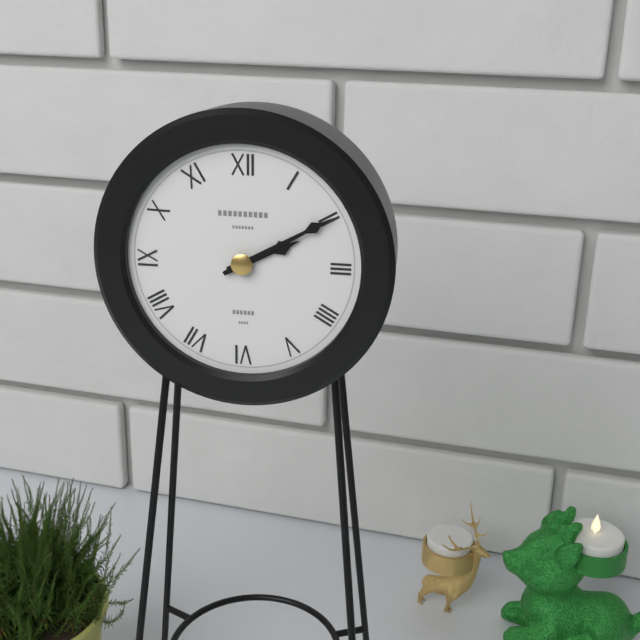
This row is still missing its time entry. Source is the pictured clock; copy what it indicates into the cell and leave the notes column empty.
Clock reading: 2:10
